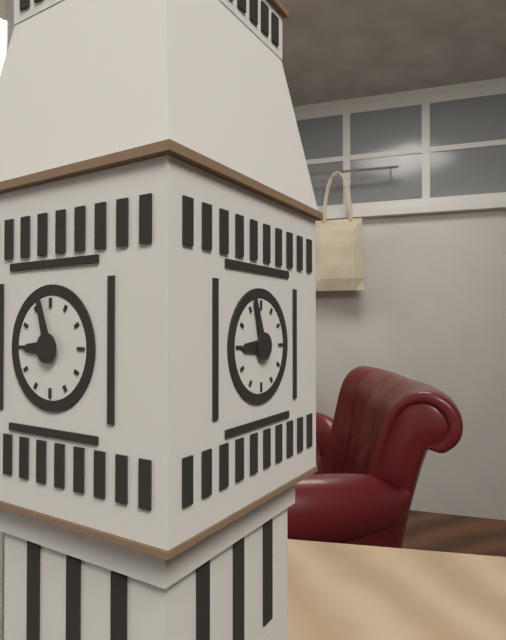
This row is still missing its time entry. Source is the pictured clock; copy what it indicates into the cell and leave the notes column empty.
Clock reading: 8:57
